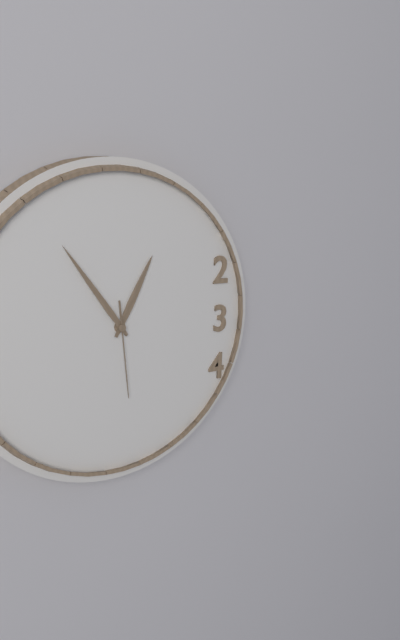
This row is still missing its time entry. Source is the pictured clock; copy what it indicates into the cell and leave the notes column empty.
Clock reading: 12:54:29
